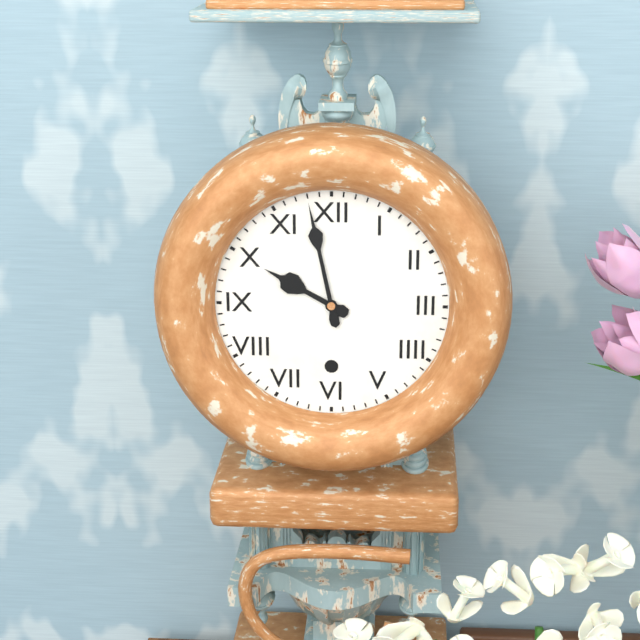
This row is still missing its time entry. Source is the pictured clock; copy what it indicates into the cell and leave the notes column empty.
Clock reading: 9:58
